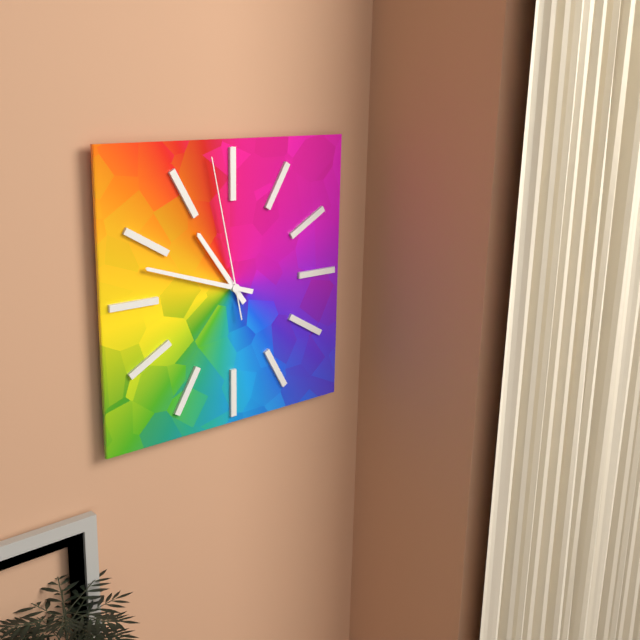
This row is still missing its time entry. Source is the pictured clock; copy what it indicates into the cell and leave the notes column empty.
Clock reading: 10:48:58
